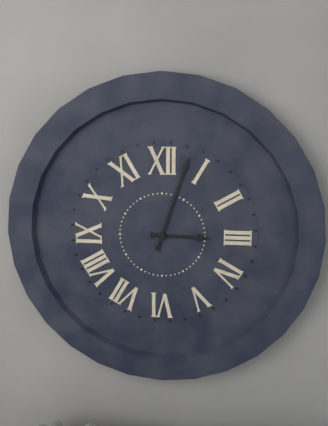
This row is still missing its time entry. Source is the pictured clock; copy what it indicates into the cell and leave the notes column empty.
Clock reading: 3:03
